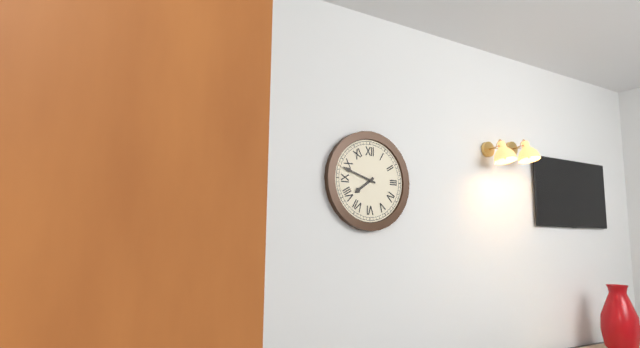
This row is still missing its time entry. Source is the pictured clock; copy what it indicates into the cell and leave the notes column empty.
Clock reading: 7:48
